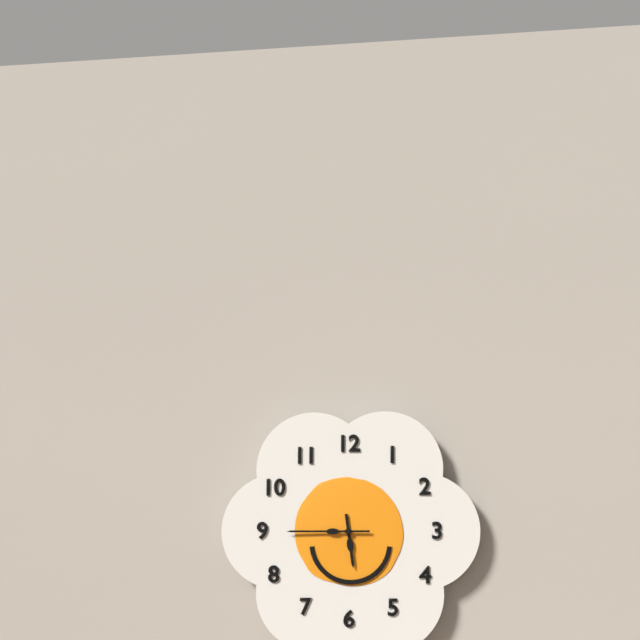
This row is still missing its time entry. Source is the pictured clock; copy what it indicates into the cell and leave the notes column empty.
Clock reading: 5:45
